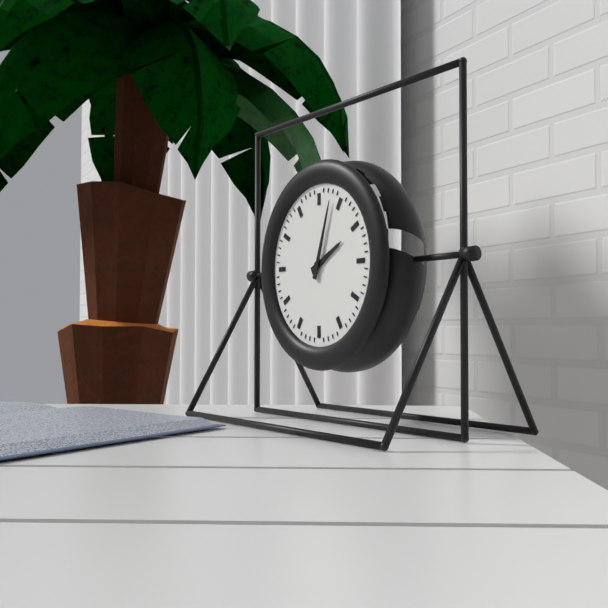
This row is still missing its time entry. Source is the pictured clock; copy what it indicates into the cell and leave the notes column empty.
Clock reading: 2:03
